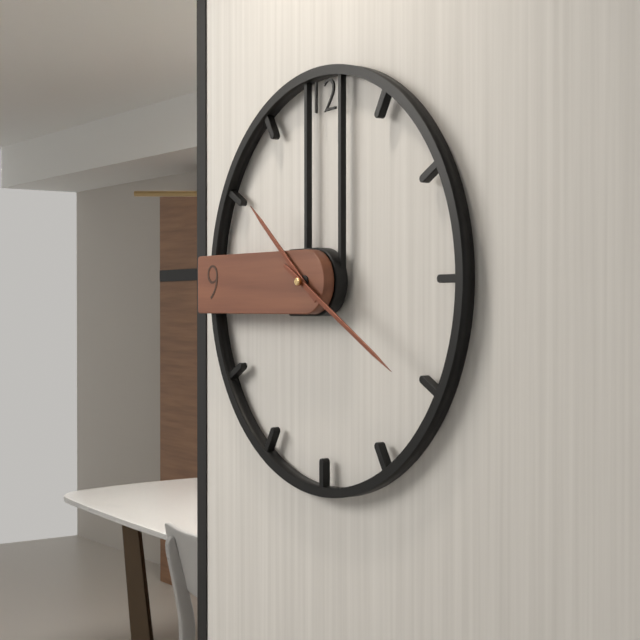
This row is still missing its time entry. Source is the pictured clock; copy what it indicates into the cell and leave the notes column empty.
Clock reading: 10:20
